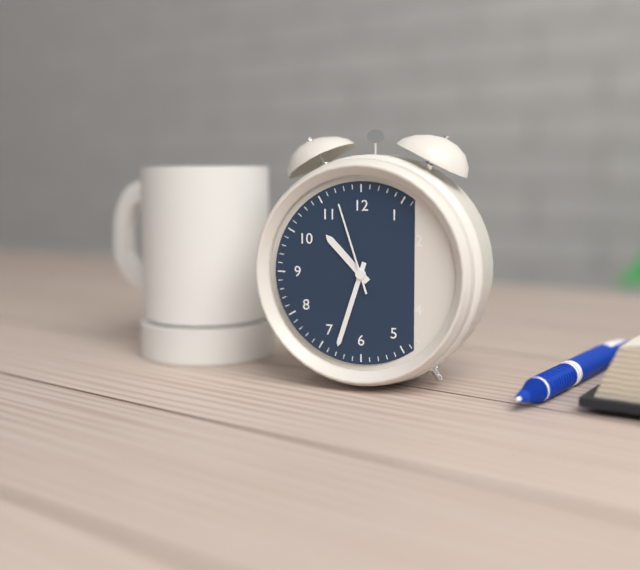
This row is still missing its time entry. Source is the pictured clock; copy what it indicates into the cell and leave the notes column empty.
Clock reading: 10:33:57
